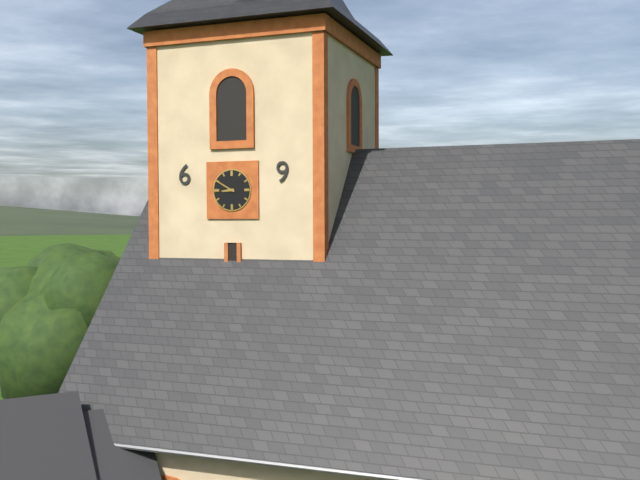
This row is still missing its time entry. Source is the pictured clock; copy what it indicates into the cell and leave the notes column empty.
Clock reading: 8:50
